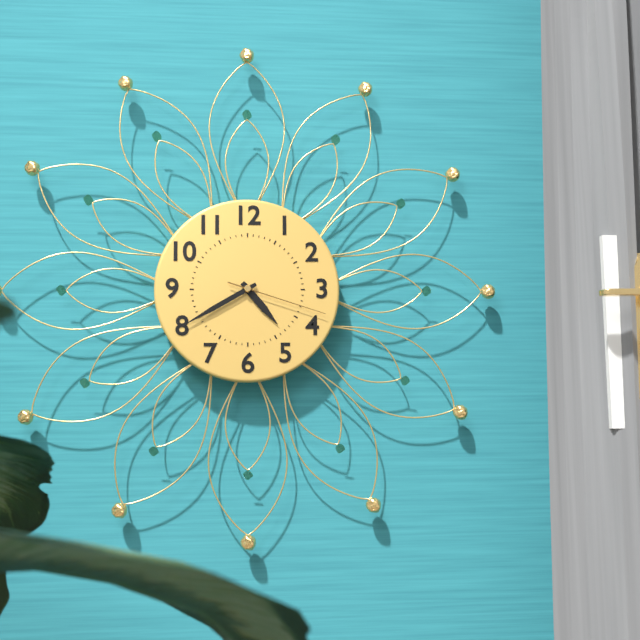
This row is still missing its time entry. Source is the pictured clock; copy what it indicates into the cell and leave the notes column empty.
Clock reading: 4:40:18
